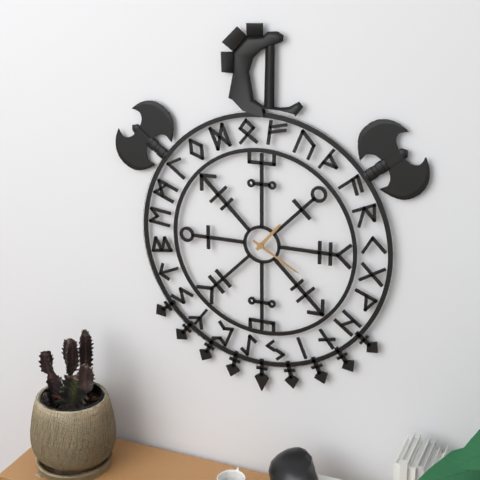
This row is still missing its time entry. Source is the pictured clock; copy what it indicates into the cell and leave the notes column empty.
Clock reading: 1:20
